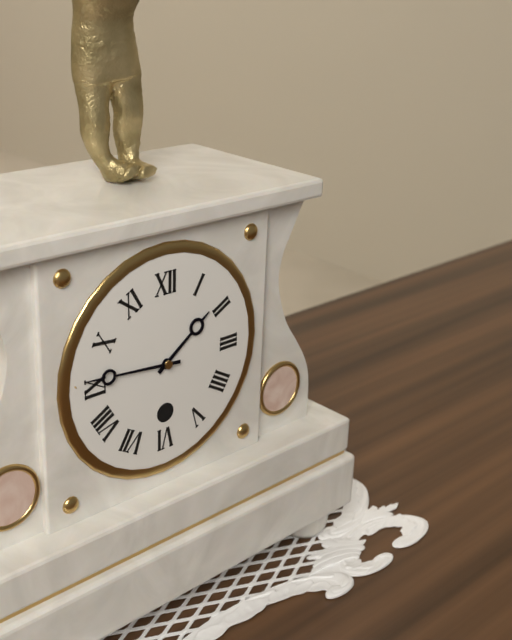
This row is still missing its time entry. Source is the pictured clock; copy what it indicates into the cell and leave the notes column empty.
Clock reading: 1:46
